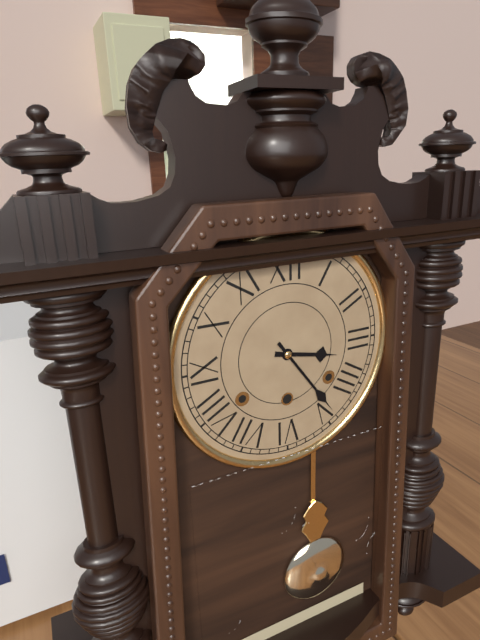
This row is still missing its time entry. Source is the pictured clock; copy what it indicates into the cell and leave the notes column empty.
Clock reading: 3:24
